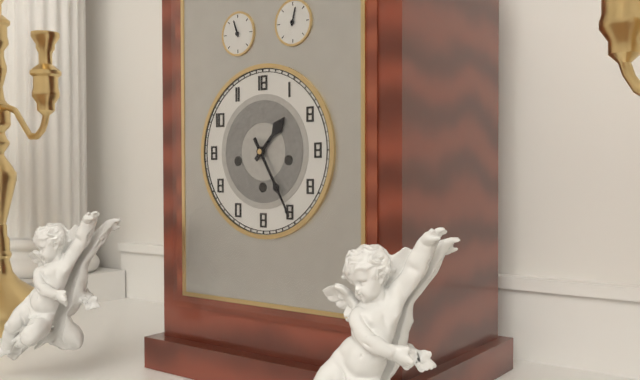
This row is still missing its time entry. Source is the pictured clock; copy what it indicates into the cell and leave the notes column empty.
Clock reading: 1:25
